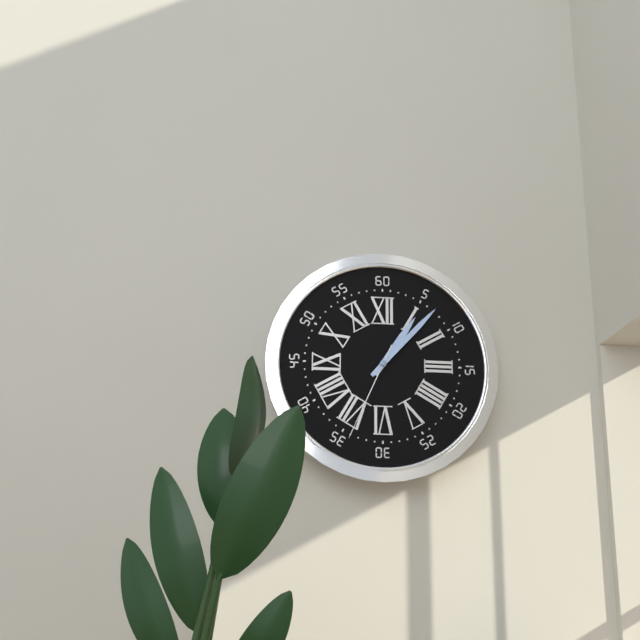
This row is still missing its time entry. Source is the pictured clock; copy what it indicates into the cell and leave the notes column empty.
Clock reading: 1:07:34
